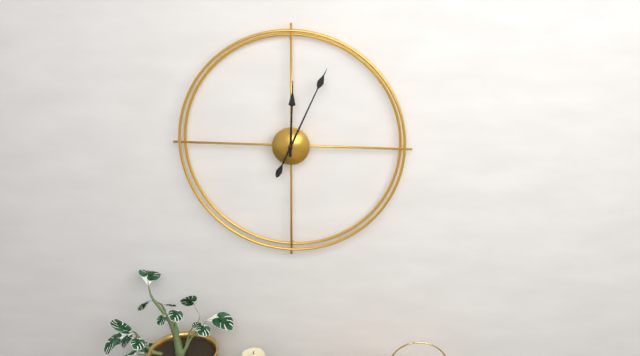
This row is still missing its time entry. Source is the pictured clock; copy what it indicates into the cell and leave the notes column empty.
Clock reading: 12:04
